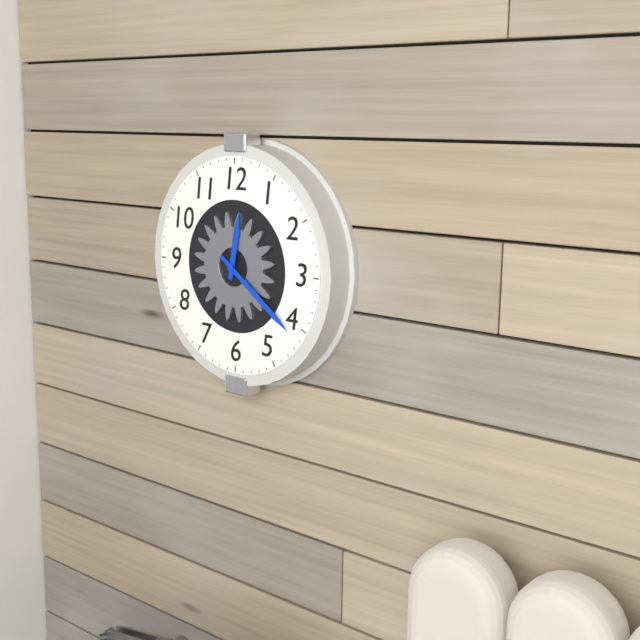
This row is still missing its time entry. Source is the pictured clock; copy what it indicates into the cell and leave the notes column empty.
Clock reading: 12:21
